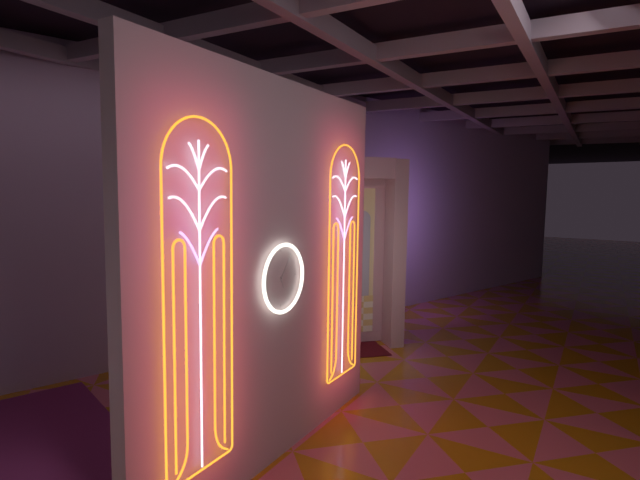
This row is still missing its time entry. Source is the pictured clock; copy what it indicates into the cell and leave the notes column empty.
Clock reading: 5:06
